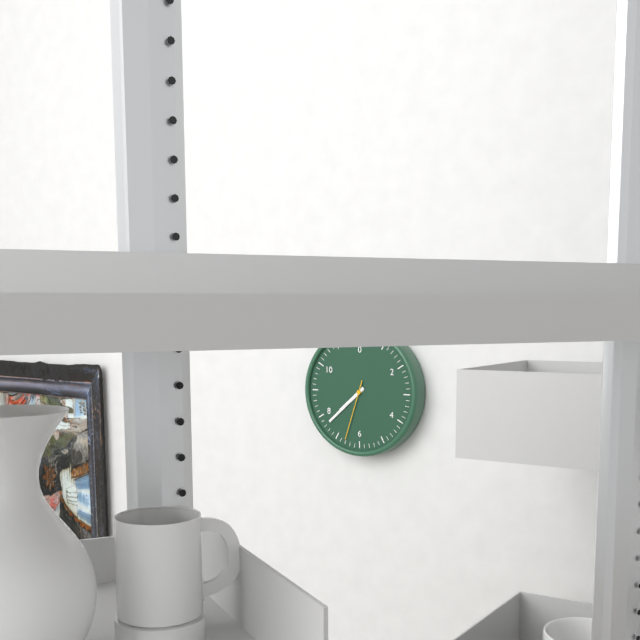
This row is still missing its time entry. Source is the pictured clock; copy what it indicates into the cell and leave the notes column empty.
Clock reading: 7:38:33
